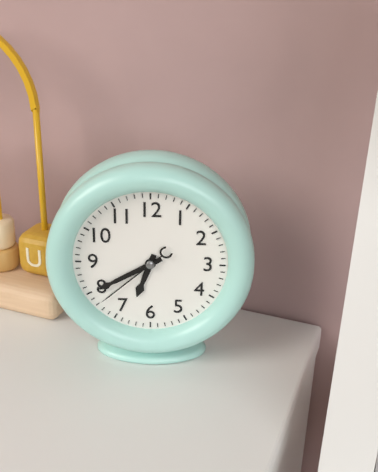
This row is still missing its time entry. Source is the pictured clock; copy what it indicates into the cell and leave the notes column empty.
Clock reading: 6:40:38
